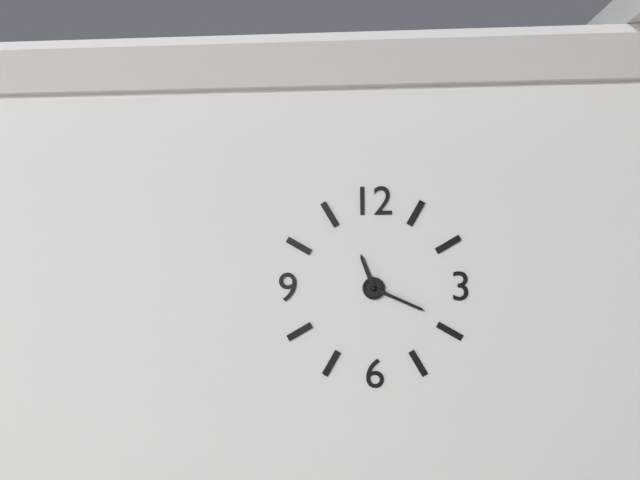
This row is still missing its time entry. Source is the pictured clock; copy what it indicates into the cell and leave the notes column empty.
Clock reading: 11:19
